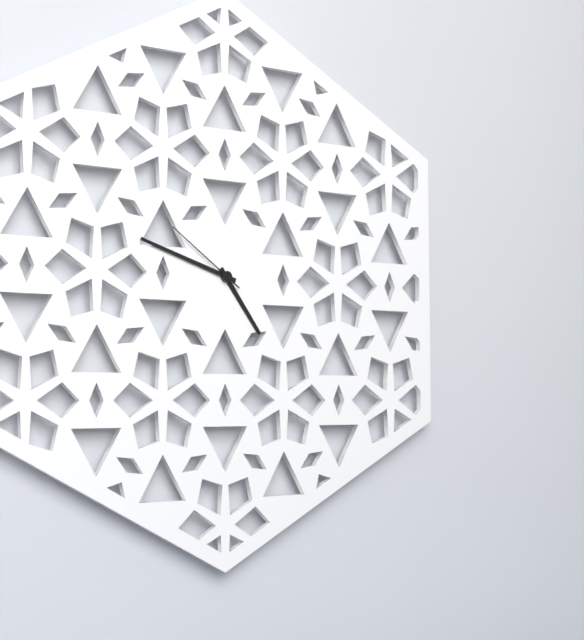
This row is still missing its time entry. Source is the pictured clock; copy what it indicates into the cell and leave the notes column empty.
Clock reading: 4:48:51
